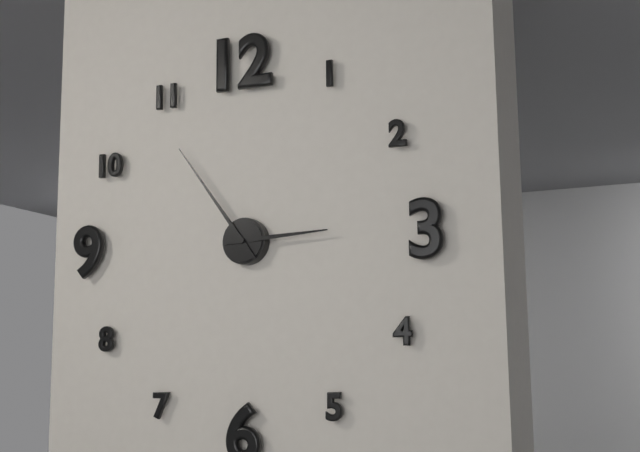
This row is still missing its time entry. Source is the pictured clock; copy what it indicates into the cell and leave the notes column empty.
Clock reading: 2:54
